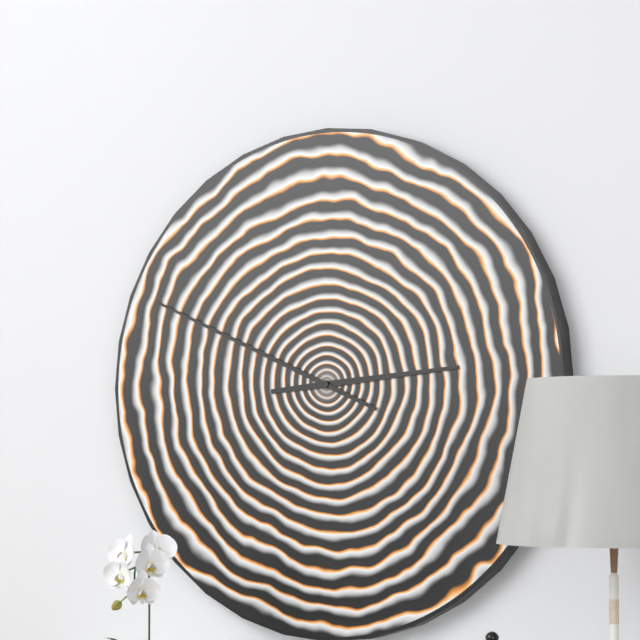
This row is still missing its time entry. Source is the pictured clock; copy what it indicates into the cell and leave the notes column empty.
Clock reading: 2:49
